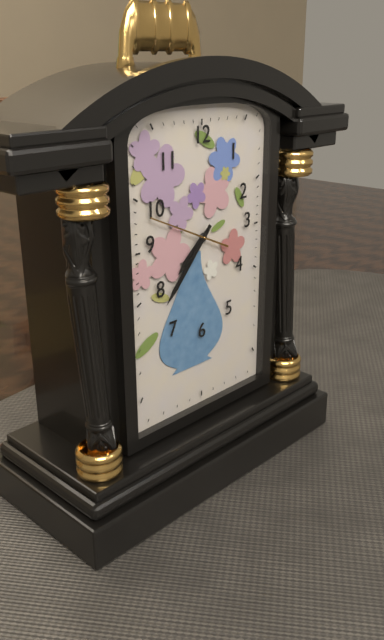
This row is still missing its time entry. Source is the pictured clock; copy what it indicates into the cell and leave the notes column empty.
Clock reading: 7:37:49
